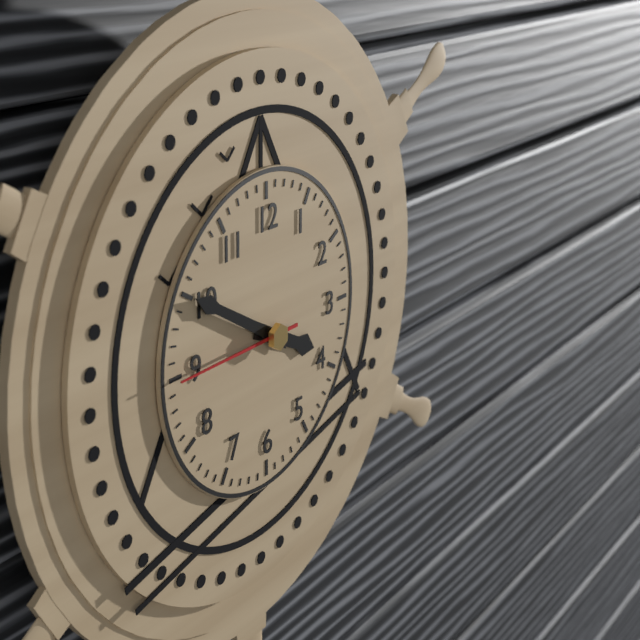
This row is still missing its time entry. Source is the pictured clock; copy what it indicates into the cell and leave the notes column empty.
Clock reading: 3:50:45
